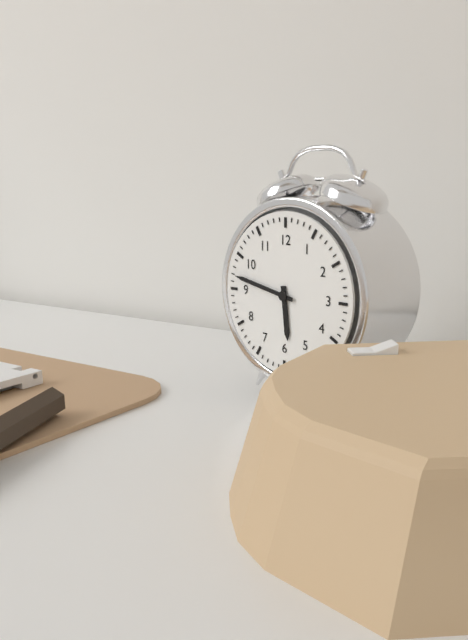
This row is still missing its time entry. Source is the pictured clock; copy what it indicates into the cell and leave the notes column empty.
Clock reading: 5:47
